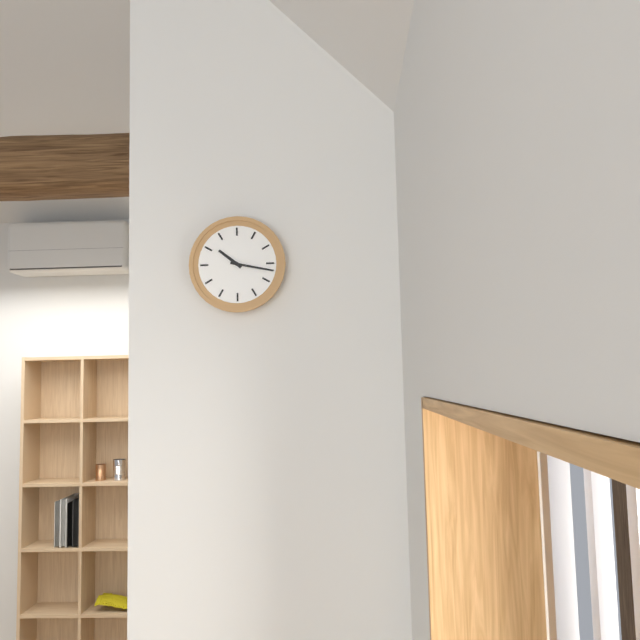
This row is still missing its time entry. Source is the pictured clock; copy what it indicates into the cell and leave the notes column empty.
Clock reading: 10:17
